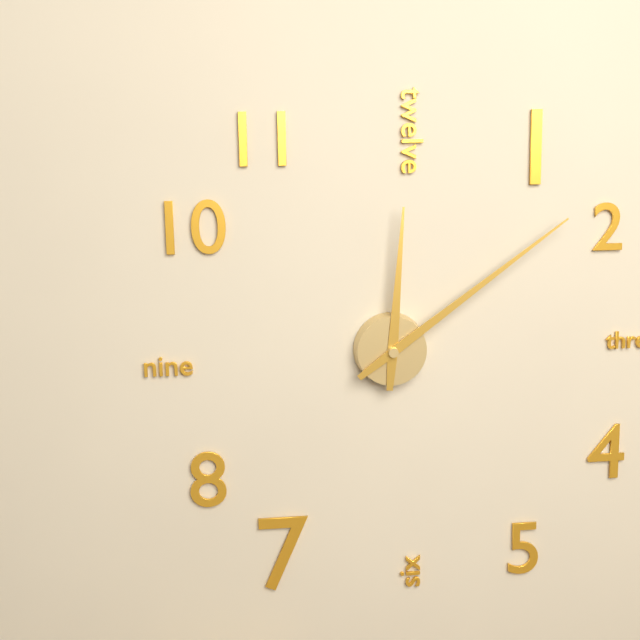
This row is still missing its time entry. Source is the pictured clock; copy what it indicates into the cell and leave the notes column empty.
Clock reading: 12:09
